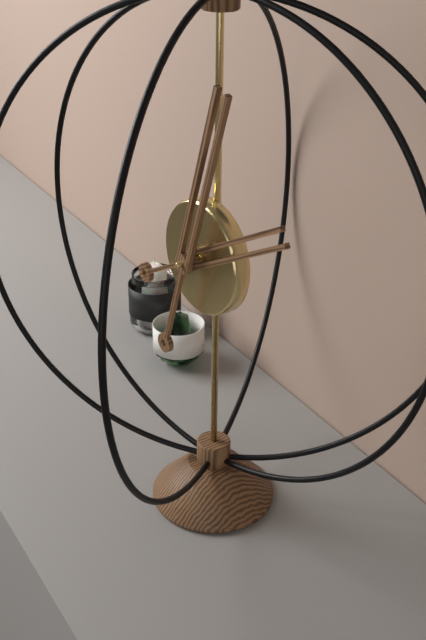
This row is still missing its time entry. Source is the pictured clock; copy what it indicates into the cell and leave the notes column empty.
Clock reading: 2:03
